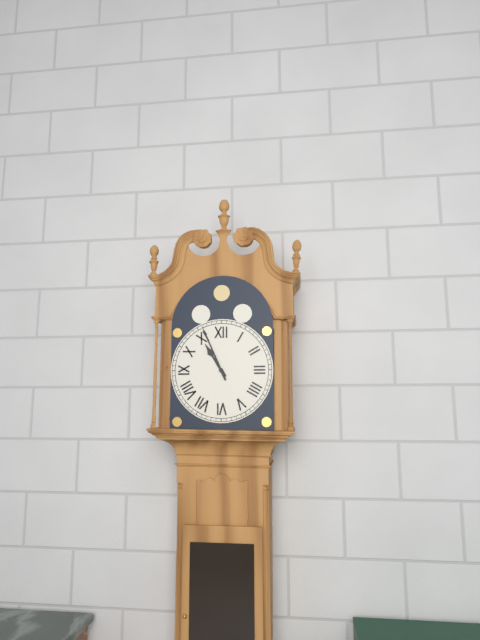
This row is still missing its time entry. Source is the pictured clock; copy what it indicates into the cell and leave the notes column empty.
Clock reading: 10:56
